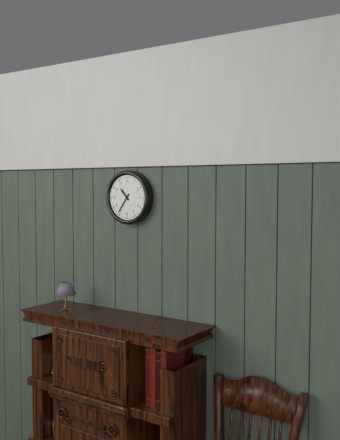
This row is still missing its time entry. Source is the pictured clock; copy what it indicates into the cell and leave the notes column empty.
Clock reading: 10:36
